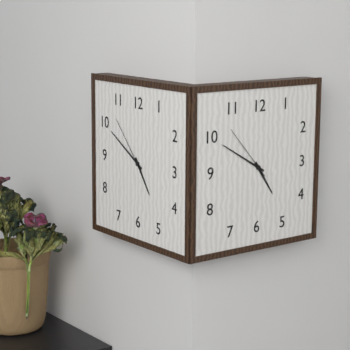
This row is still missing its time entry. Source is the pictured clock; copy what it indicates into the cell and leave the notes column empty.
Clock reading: 4:50:53
